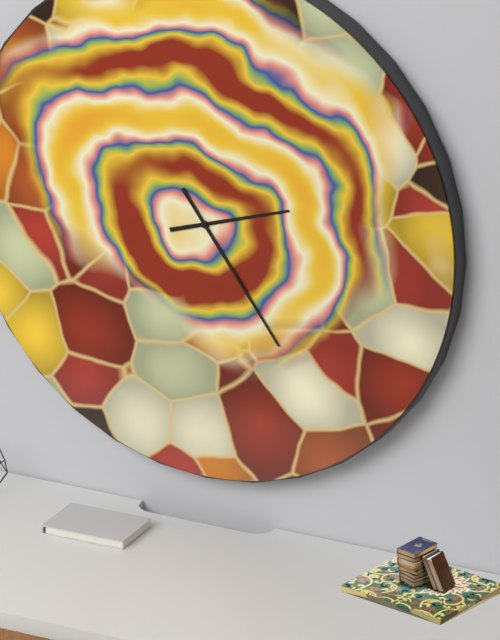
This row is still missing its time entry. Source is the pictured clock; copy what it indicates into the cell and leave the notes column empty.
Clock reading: 2:24
